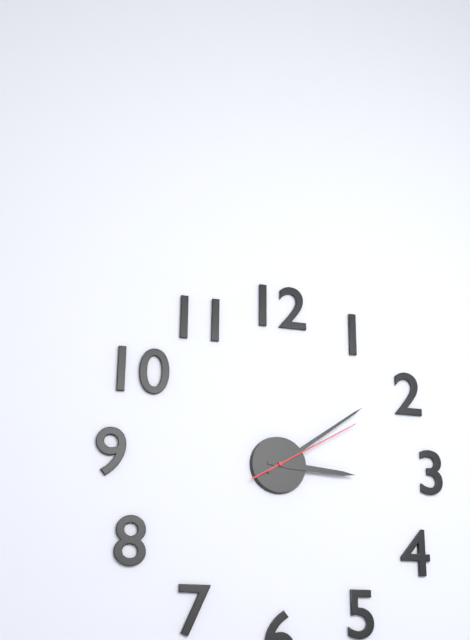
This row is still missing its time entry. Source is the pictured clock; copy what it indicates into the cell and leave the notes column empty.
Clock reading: 3:09:10
